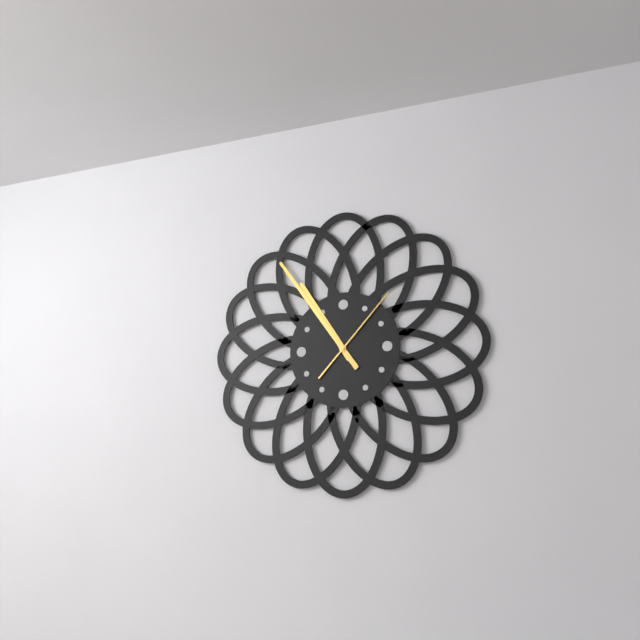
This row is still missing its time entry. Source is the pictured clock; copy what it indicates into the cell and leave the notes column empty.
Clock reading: 10:54:07
